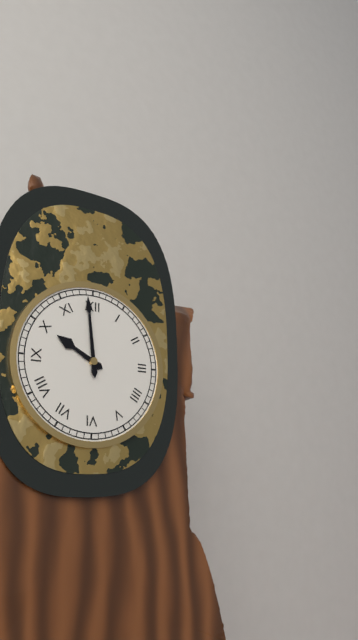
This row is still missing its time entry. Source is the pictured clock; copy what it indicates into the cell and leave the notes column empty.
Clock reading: 9:59
